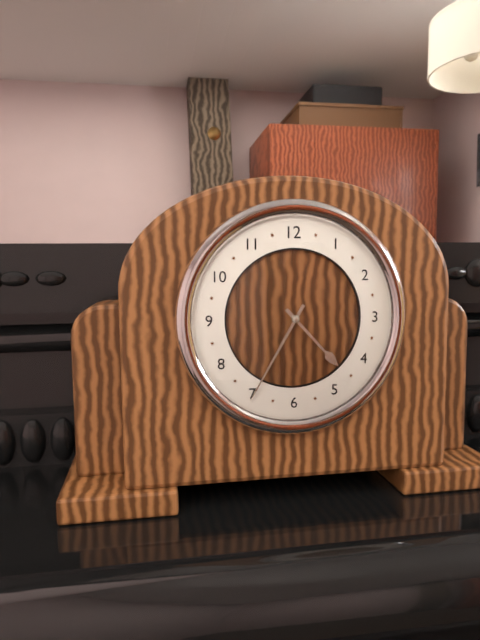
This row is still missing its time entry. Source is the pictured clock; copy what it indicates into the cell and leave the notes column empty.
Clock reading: 4:35
